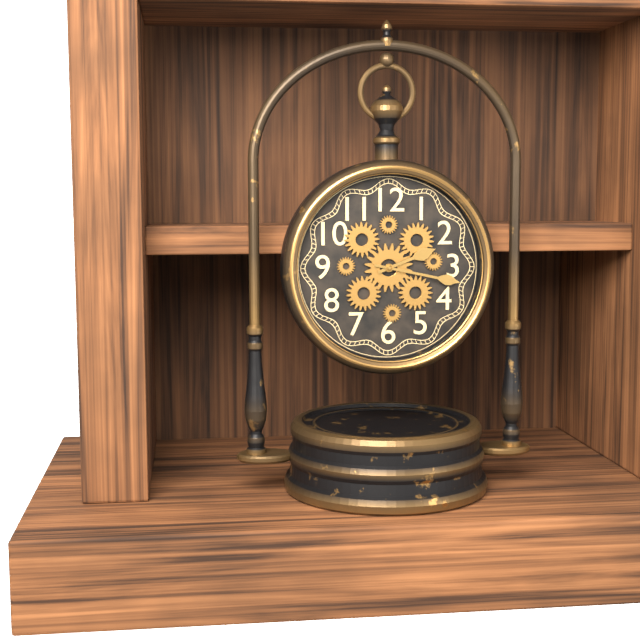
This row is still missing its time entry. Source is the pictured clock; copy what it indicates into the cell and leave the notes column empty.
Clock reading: 2:17
